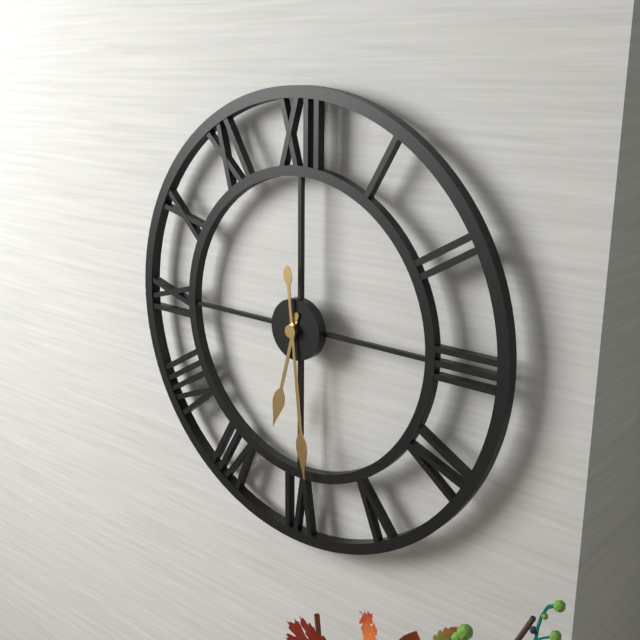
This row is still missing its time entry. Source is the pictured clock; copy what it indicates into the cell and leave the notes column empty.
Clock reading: 6:29
